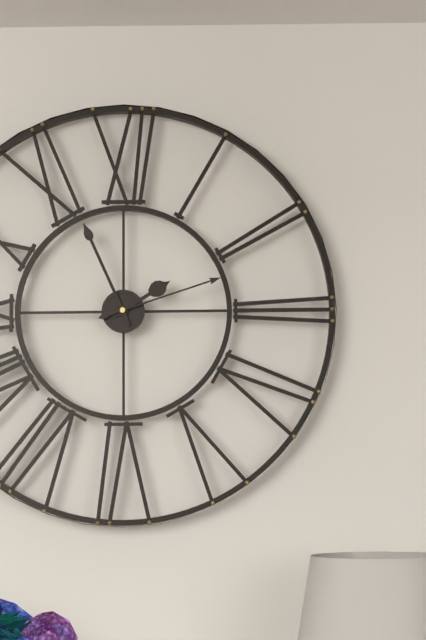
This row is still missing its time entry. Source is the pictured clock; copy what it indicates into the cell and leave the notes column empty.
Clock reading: 1:56:12
